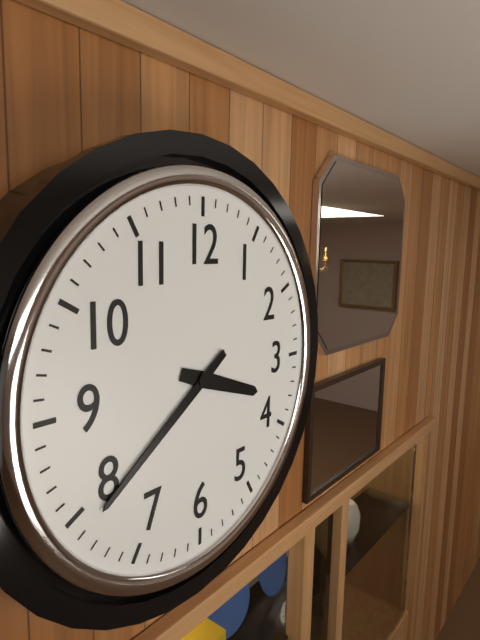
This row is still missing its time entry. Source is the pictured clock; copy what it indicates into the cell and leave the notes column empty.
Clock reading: 3:39
